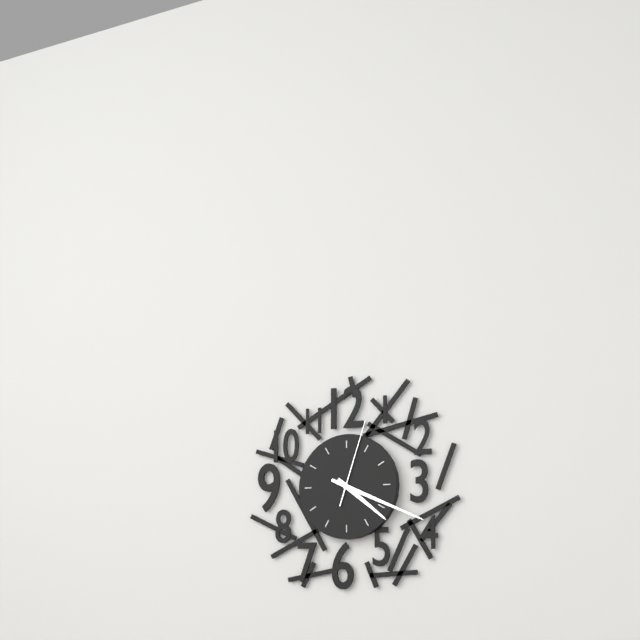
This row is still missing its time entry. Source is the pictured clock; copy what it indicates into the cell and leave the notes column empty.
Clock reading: 4:19:03
